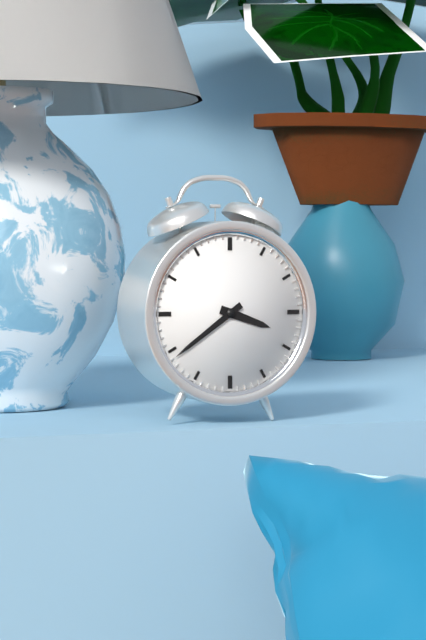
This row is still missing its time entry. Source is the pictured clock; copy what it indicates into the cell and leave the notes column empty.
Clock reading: 3:39
